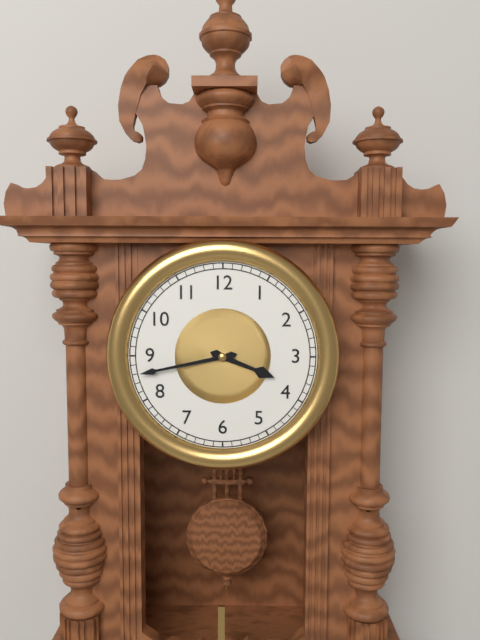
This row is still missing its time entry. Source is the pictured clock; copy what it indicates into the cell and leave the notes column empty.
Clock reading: 3:43
